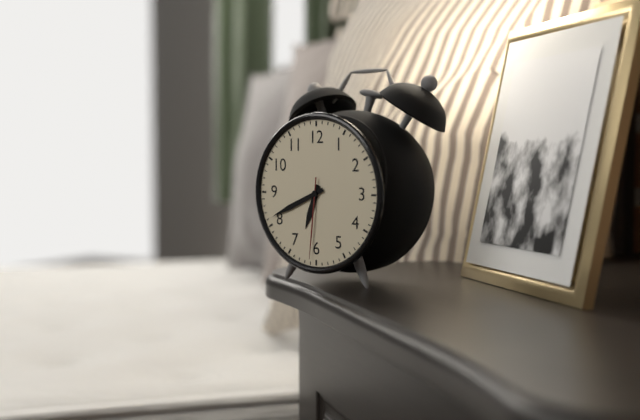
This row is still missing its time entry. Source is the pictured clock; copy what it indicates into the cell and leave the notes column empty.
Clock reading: 6:41:31
